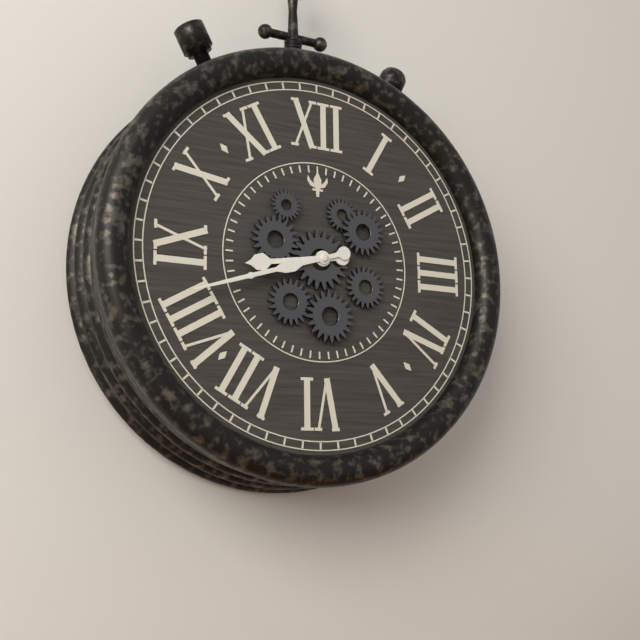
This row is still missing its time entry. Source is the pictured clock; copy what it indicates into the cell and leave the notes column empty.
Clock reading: 8:42
